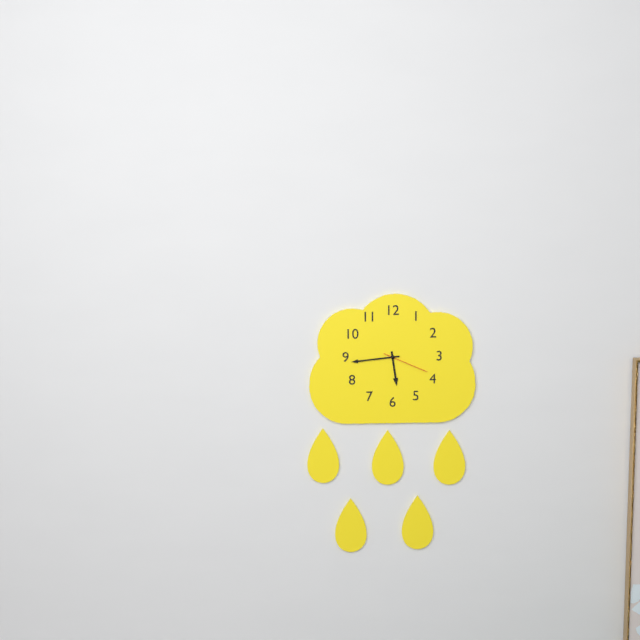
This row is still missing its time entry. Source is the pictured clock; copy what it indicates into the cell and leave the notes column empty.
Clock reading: 5:44
